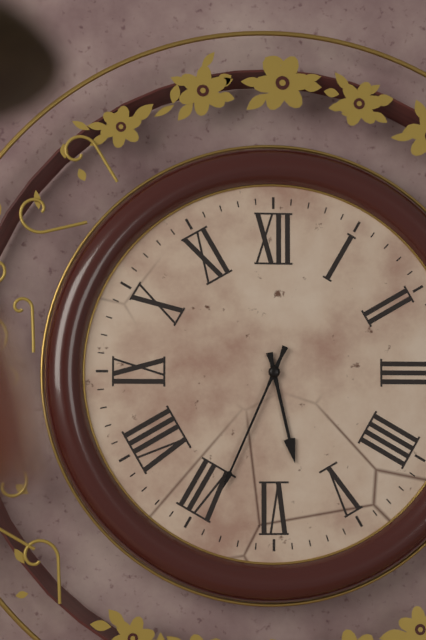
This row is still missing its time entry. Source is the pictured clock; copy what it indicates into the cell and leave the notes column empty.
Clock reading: 5:34
